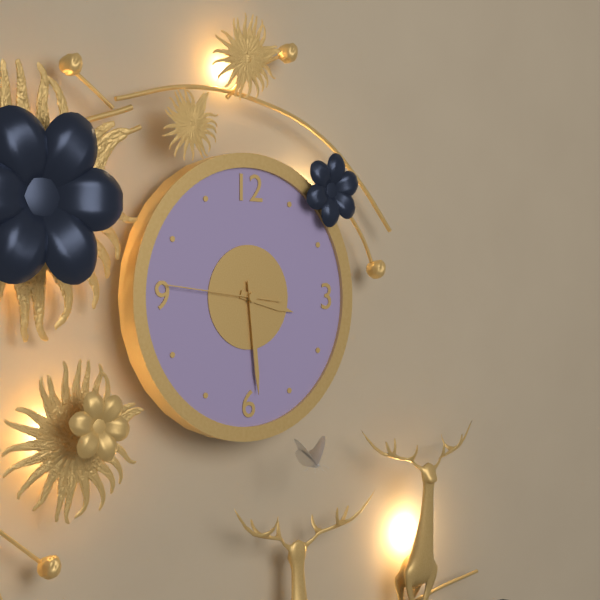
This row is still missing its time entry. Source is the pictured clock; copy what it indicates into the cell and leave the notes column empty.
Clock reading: 3:29:46
